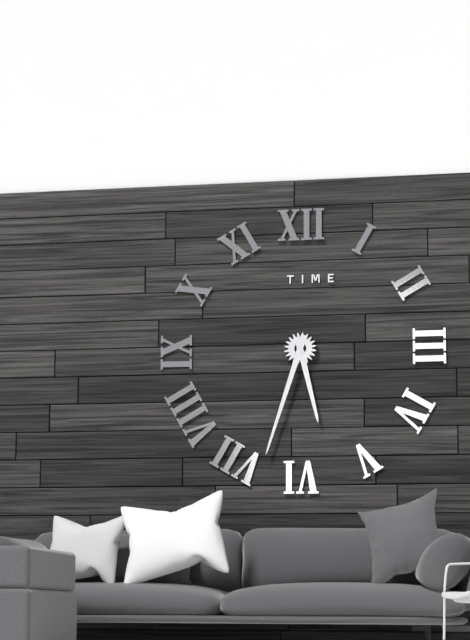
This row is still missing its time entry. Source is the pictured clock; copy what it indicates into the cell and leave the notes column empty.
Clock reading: 5:33
